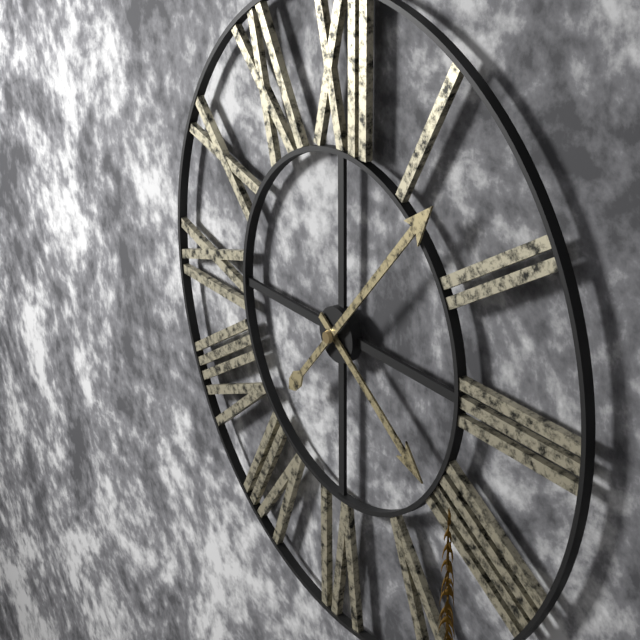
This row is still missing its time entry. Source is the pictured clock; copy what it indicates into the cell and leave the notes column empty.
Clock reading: 4:07
